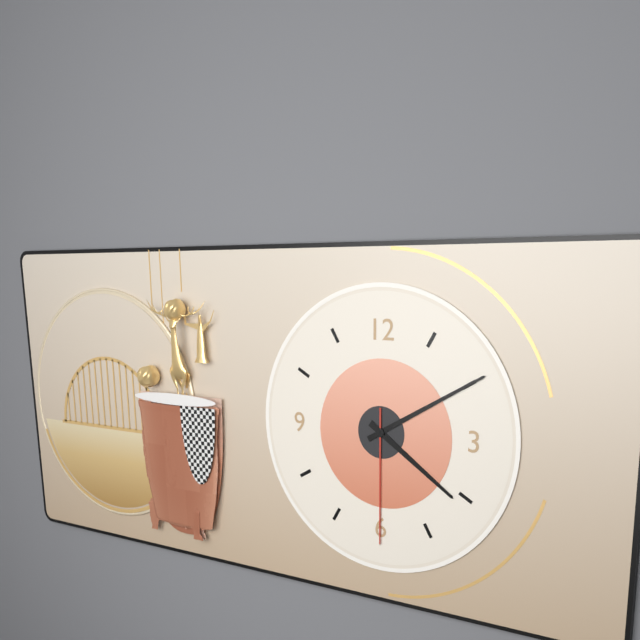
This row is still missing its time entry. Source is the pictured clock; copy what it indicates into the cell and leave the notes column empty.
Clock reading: 4:10:30
